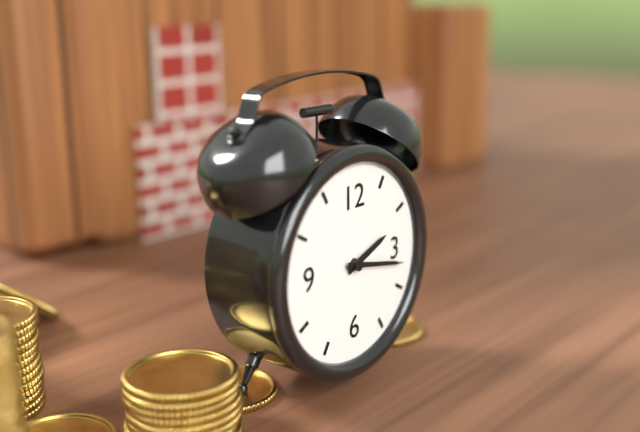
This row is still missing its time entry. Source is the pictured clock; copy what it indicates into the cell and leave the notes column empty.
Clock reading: 2:17
